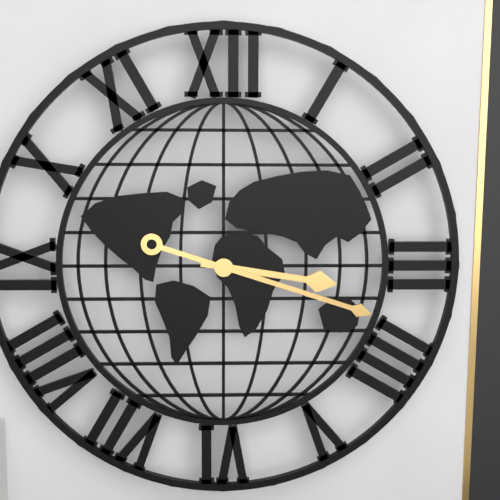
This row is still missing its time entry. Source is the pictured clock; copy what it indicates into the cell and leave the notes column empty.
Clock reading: 3:18
